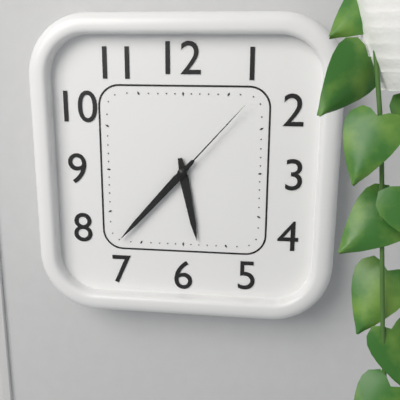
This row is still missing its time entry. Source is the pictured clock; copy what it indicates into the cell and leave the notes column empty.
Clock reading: 5:37:07
